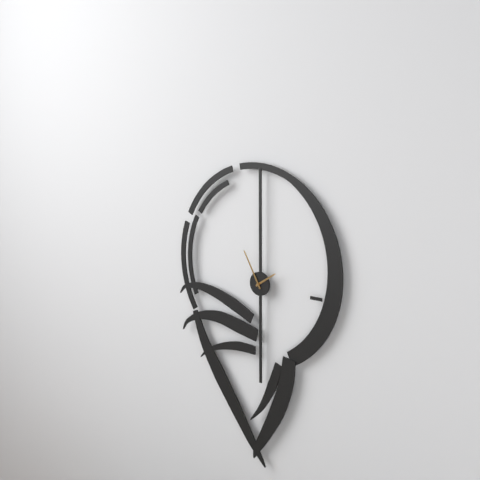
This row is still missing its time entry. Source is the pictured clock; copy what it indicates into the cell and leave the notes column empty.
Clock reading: 1:55
